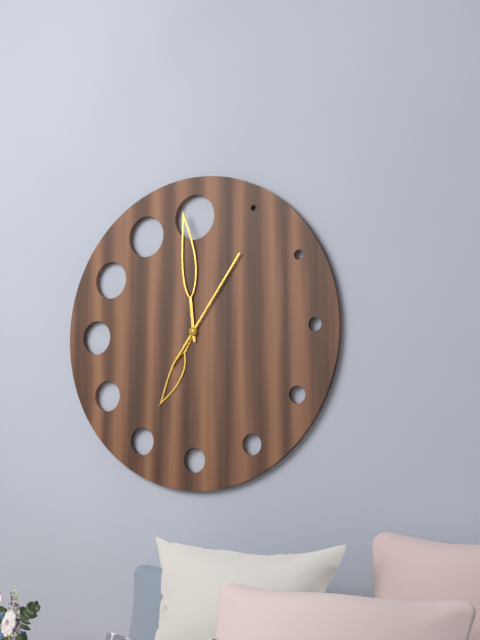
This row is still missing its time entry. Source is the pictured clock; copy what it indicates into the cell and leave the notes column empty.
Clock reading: 6:59:06
